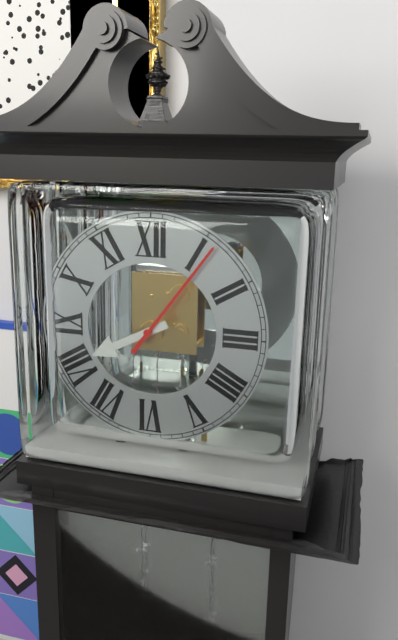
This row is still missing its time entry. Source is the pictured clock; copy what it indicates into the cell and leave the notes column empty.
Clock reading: 8:06
